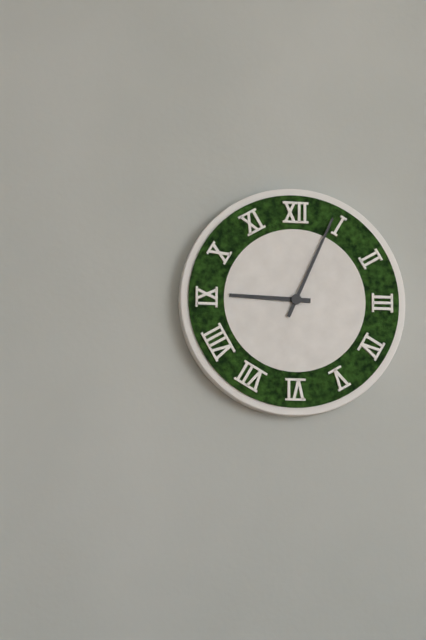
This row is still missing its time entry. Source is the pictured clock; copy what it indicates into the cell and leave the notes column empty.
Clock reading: 9:04
